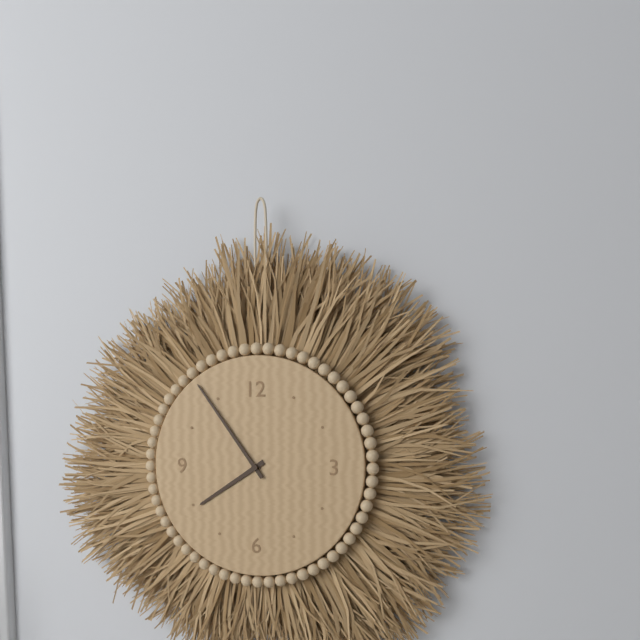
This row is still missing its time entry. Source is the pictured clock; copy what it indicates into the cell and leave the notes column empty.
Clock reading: 7:54
